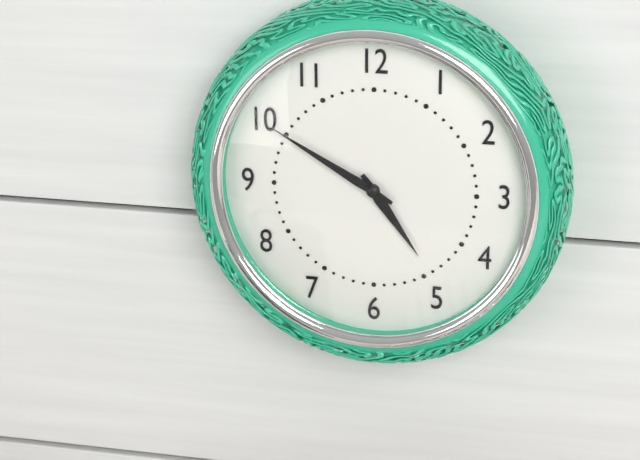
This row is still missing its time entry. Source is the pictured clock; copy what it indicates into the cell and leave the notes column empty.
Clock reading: 4:50
